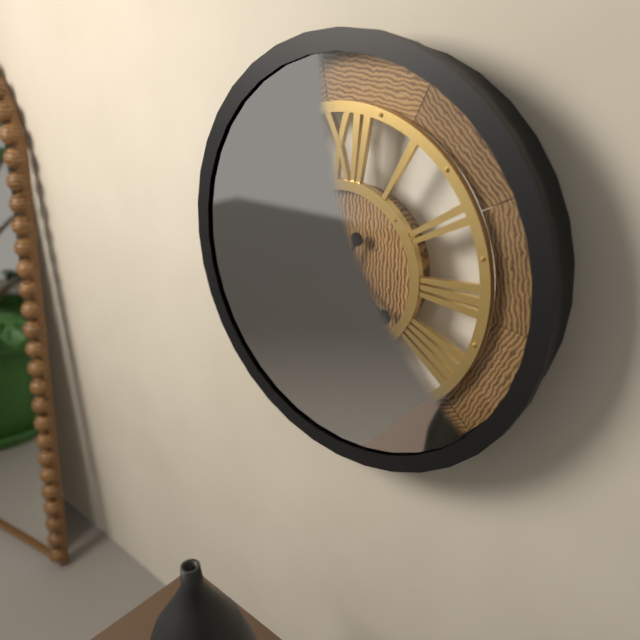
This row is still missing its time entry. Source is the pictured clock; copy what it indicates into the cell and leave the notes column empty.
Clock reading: 6:51
